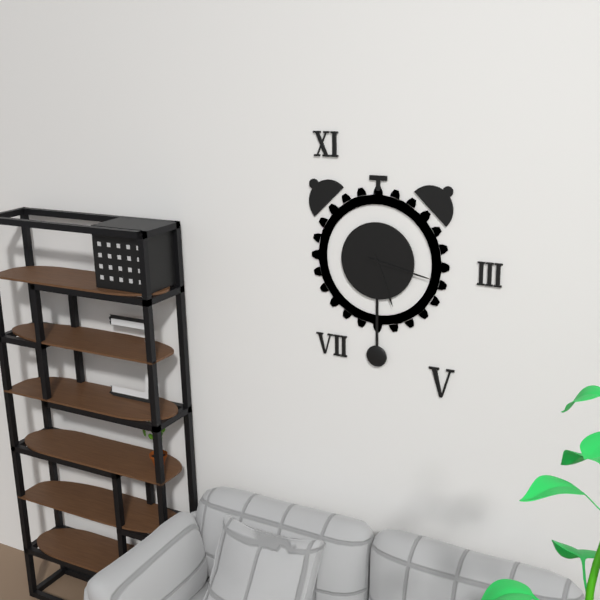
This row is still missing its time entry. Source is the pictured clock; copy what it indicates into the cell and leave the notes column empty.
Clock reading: 5:17
